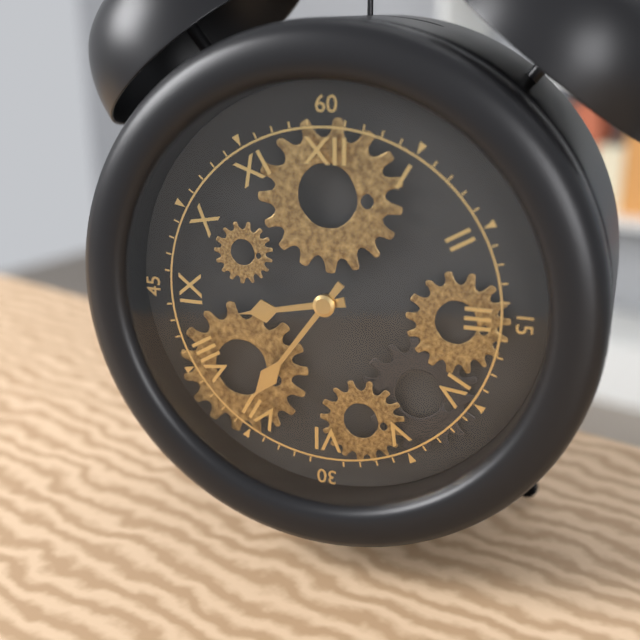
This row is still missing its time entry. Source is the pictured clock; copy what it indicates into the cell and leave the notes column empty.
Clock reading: 8:36
